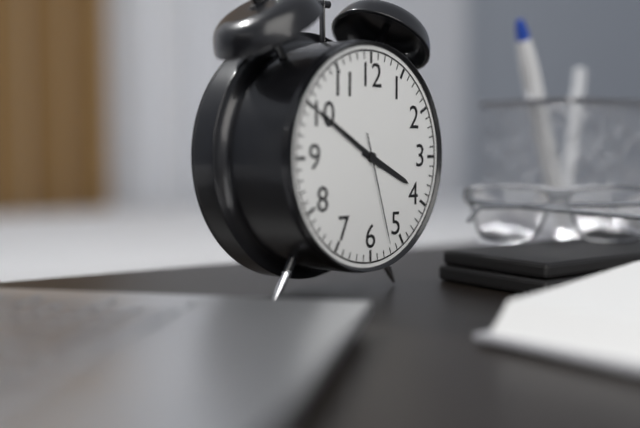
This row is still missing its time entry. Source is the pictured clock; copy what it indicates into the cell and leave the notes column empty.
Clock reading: 3:50:27
